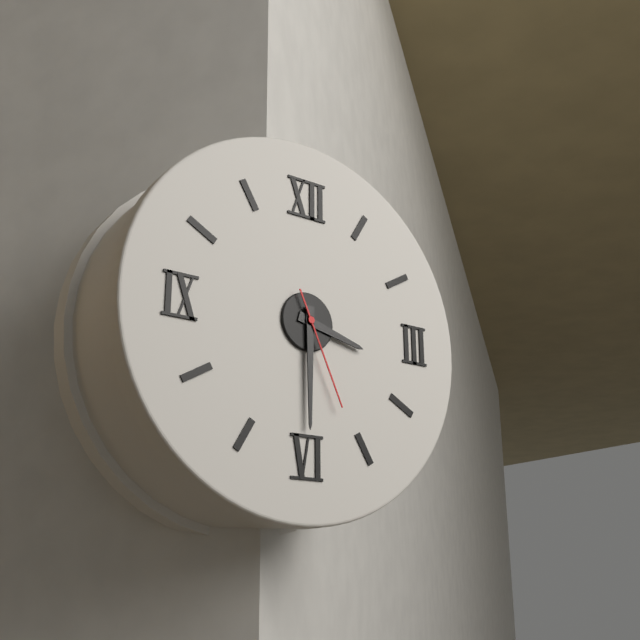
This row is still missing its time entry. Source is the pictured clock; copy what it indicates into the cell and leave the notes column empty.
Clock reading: 3:30:26
